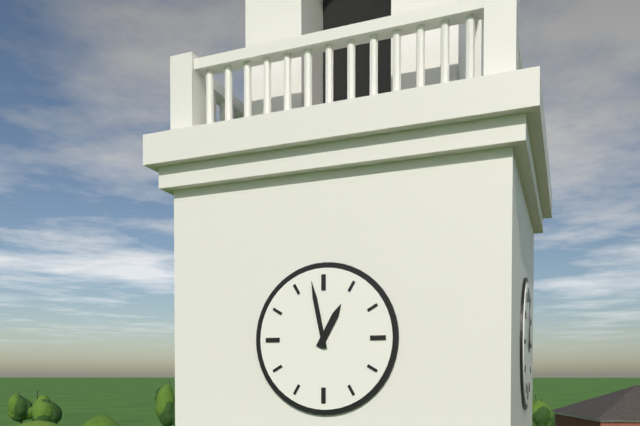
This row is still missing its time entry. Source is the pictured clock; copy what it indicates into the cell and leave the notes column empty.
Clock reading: 12:58
